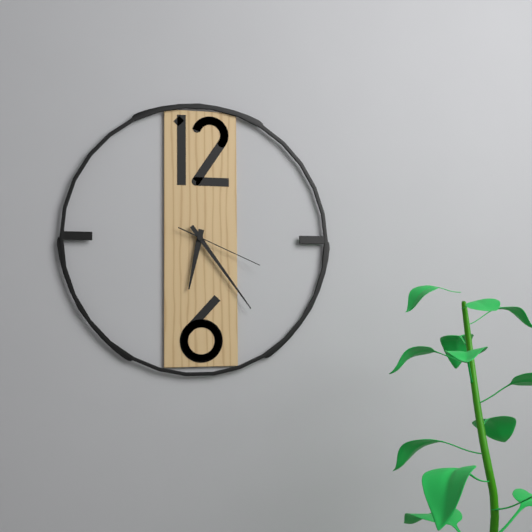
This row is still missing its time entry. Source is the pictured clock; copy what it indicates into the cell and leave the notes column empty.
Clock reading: 6:24:19
